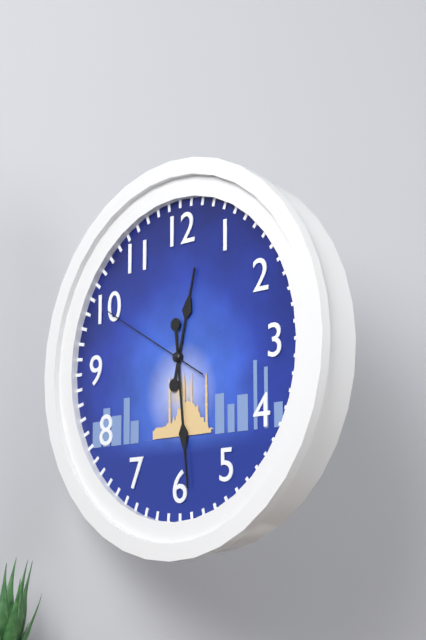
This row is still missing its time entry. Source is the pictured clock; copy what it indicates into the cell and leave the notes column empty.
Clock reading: 12:29:50
